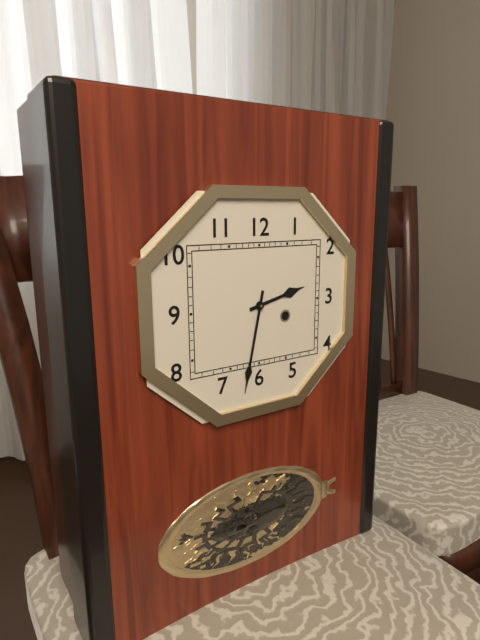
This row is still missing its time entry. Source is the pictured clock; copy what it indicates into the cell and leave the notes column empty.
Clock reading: 2:32
